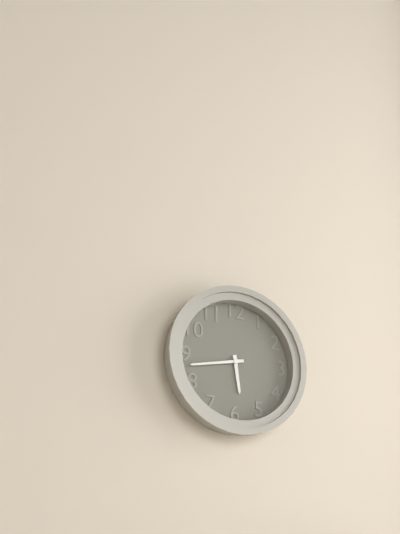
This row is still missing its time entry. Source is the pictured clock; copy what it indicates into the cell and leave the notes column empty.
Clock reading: 5:43
